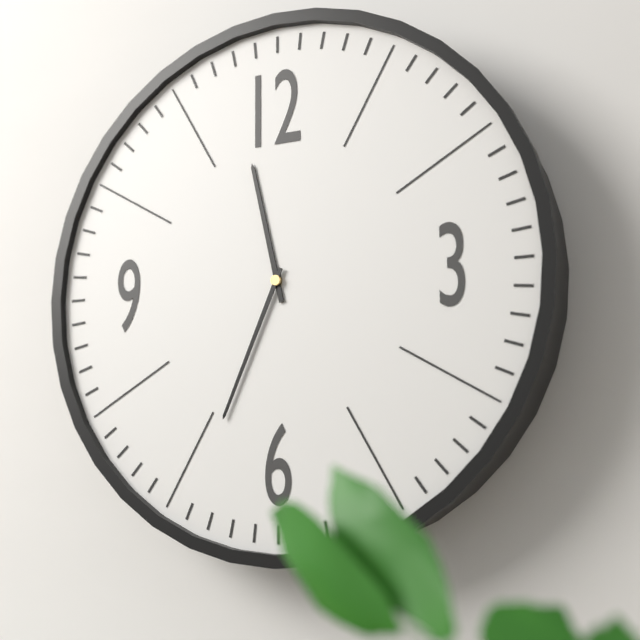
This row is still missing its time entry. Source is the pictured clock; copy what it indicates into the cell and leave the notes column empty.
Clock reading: 11:34
